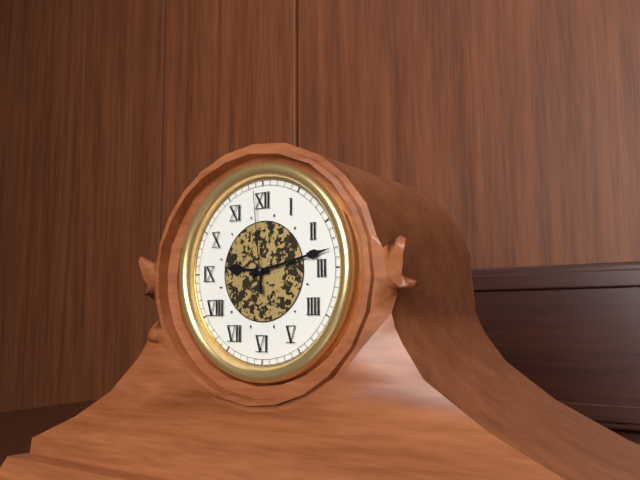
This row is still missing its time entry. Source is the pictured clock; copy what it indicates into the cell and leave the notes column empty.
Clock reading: 9:13:59
